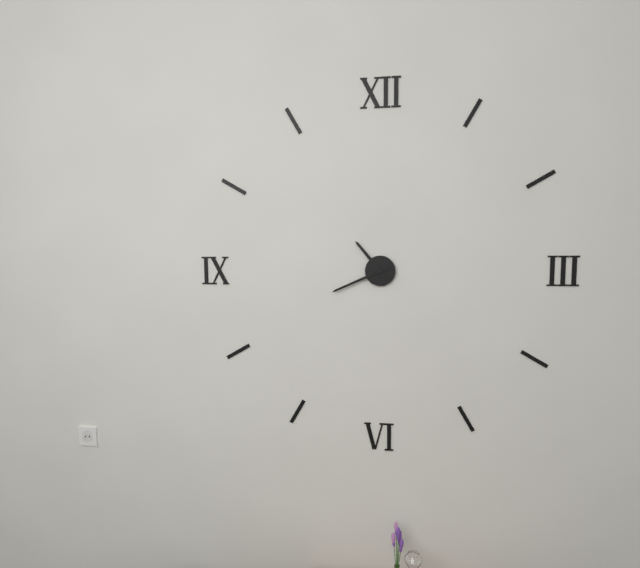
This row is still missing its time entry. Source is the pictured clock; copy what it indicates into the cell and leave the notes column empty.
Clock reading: 10:41
